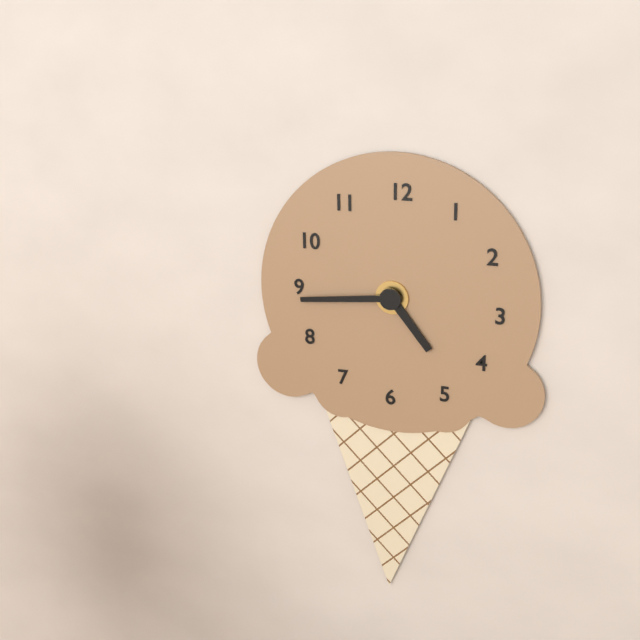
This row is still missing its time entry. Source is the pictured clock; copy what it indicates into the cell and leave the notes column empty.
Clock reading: 4:44
